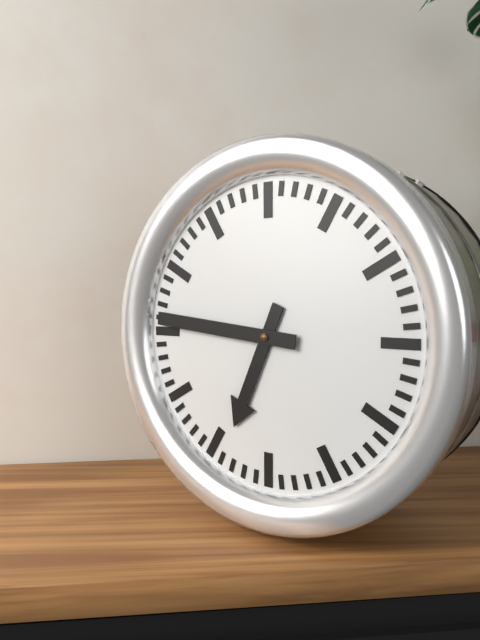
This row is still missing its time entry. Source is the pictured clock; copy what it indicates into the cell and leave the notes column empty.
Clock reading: 6:46
